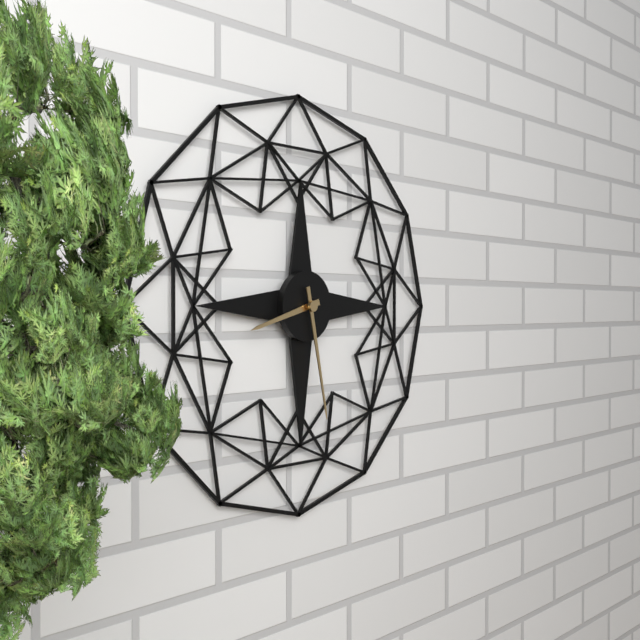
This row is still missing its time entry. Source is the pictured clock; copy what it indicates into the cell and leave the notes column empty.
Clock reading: 8:28
